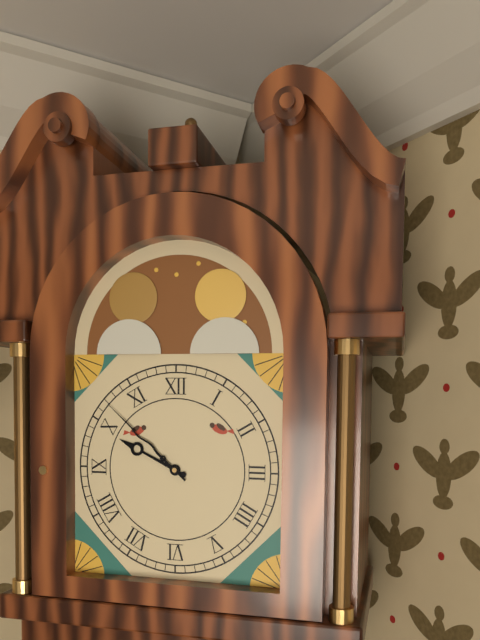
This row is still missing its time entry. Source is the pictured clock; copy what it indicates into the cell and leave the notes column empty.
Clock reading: 9:52
